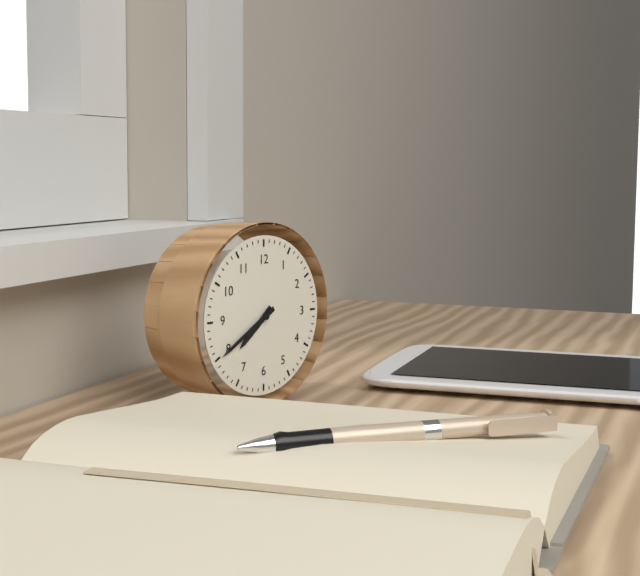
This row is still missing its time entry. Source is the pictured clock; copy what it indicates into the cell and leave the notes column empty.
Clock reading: 7:40
